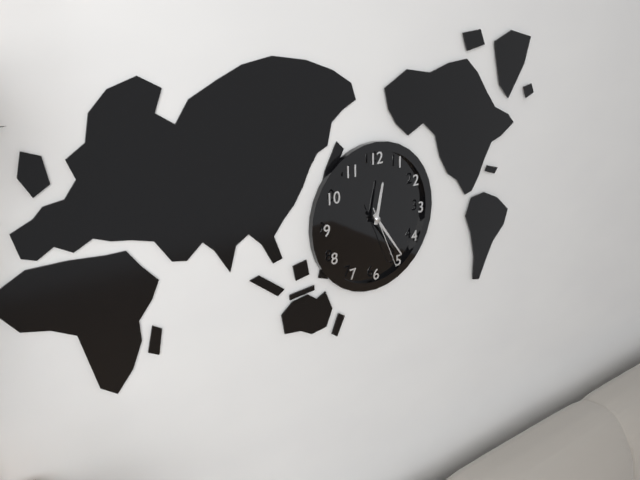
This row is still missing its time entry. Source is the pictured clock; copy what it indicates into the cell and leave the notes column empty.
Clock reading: 12:24:26
